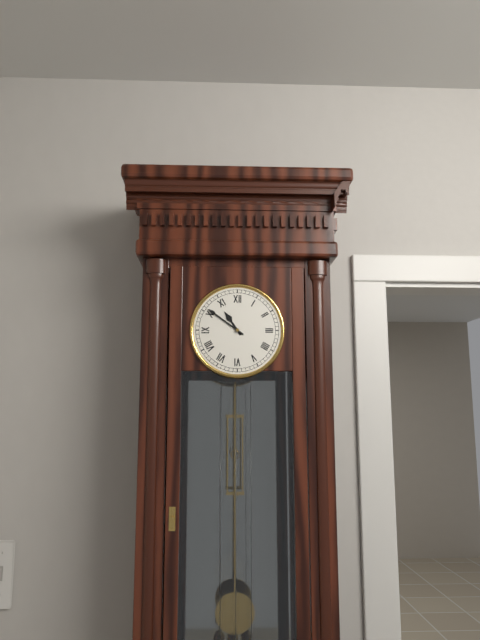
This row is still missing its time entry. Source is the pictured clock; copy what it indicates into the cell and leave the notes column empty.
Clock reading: 10:51
